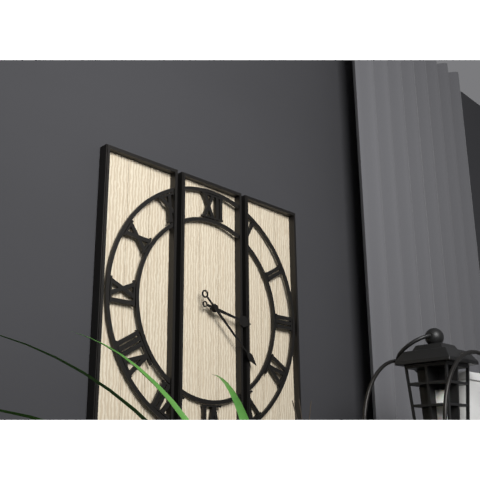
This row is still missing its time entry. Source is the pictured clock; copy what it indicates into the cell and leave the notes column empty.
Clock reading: 3:22
